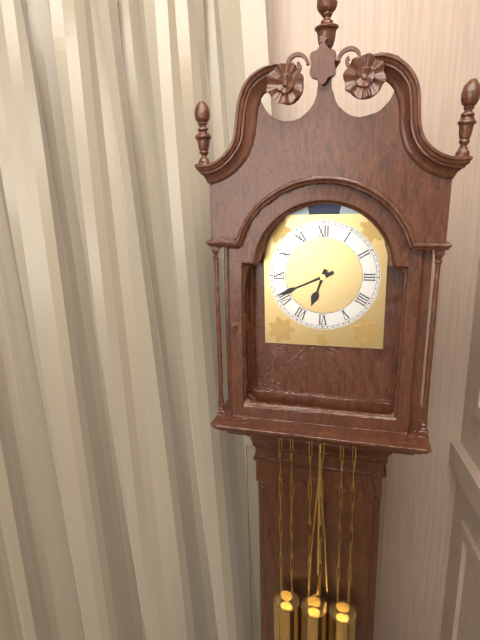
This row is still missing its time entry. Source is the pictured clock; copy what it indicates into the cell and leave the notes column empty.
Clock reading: 6:41
